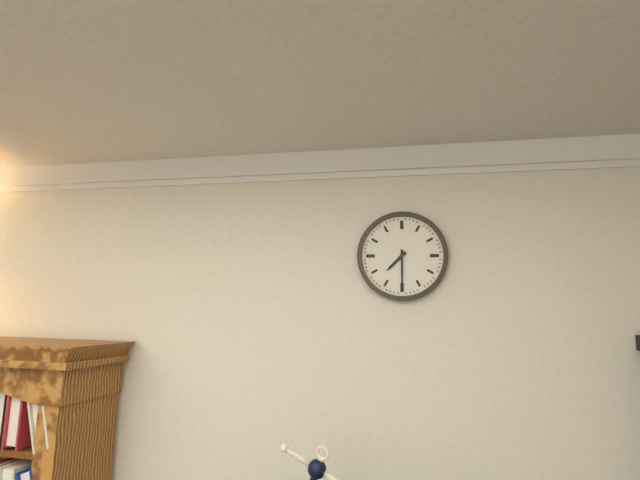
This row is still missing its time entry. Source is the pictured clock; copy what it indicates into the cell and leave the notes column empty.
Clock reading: 7:30
